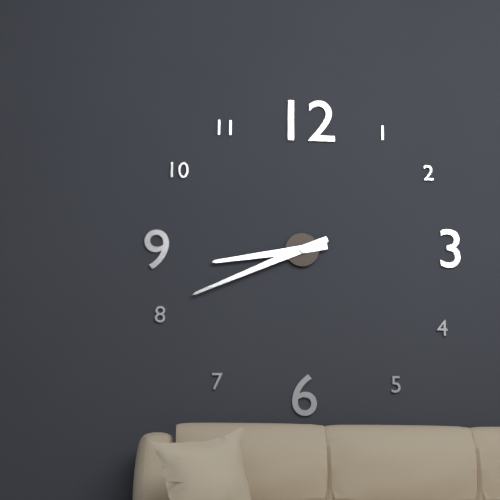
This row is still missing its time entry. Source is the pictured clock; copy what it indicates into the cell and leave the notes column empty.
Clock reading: 8:41
